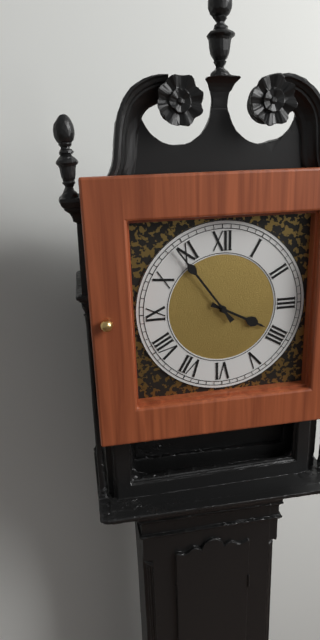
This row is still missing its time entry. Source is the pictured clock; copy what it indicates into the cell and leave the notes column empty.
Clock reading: 3:54
